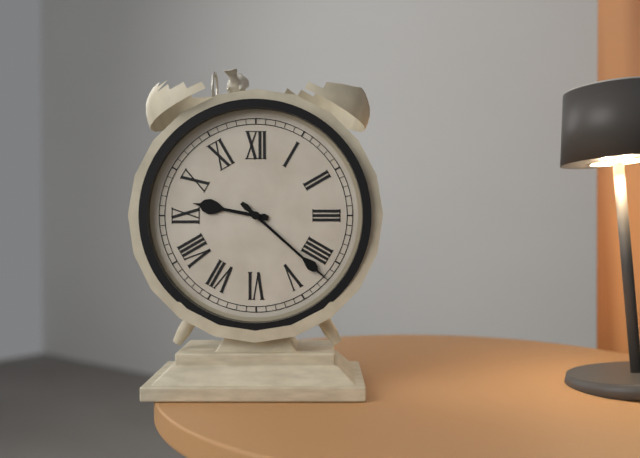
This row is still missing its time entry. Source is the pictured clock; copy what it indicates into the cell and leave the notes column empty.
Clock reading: 9:22
